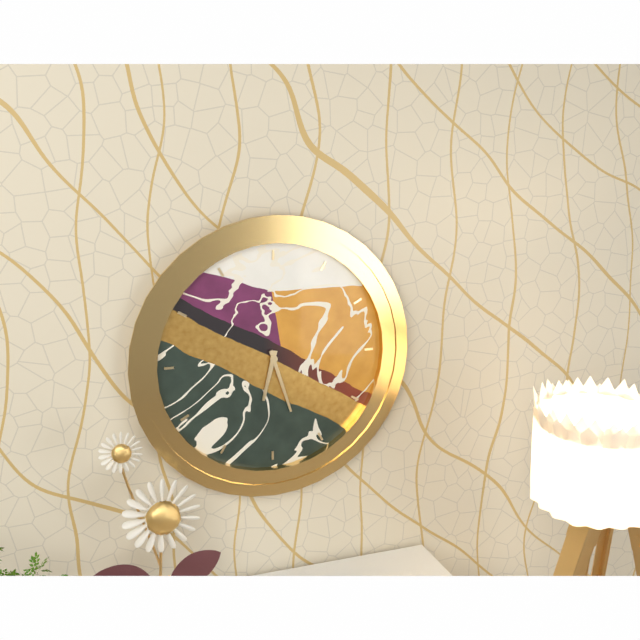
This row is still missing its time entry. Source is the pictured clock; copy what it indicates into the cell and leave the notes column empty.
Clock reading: 6:27
